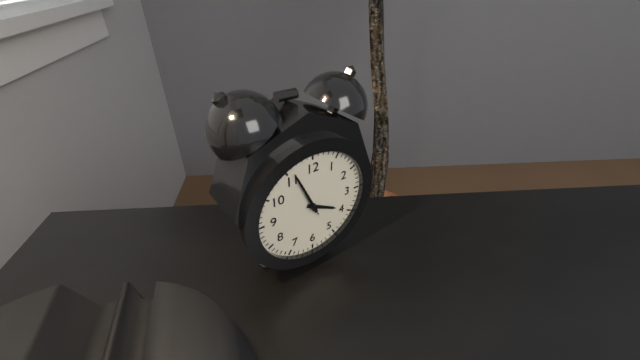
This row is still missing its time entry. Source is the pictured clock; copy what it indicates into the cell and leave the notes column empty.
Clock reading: 3:56
